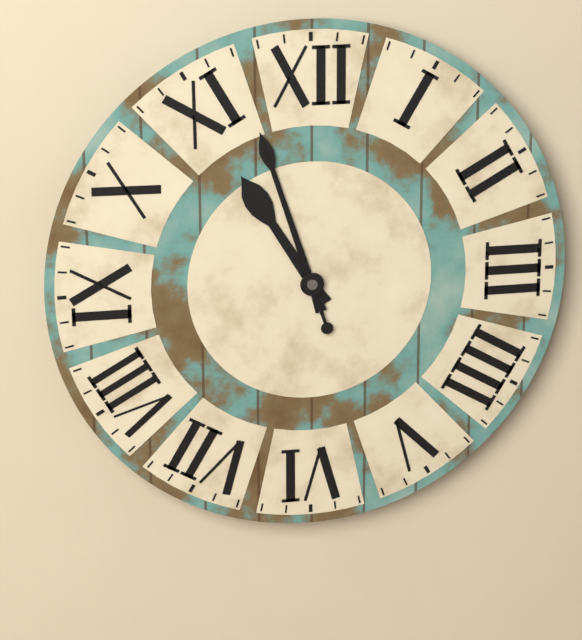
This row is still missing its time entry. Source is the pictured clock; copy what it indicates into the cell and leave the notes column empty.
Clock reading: 10:57:57
